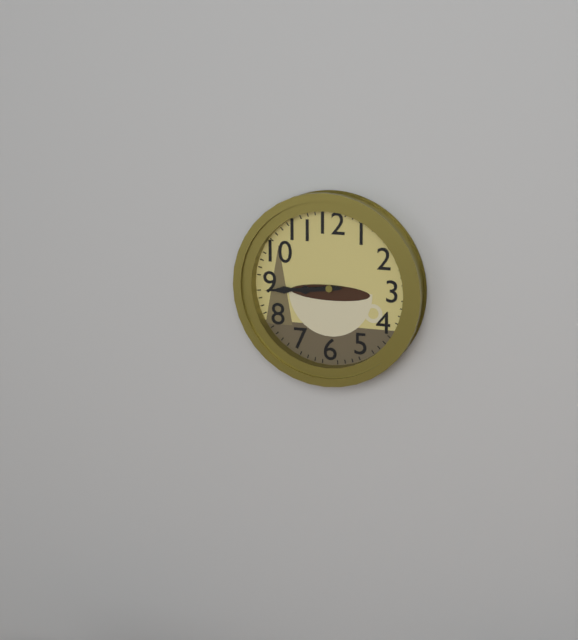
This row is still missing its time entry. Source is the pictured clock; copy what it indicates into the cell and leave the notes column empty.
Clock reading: 8:44
